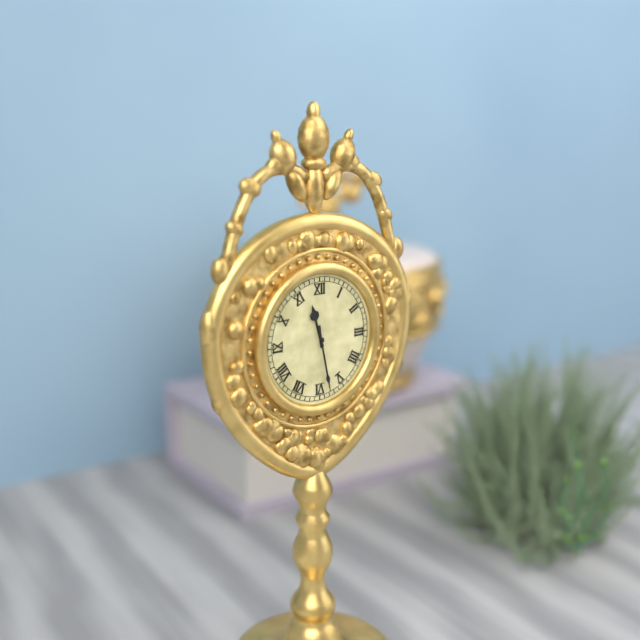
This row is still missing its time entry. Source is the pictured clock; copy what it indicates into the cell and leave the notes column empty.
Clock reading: 11:28
